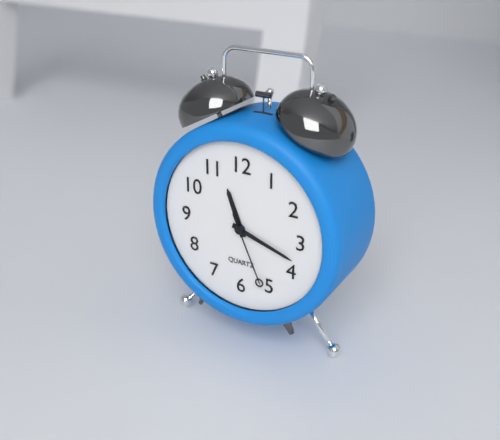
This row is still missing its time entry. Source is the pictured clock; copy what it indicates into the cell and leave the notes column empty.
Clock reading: 11:18:26
